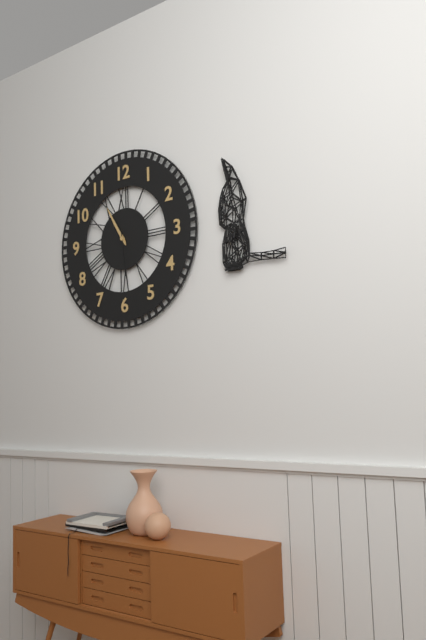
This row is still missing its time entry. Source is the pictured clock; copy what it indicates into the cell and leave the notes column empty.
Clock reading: 10:55
